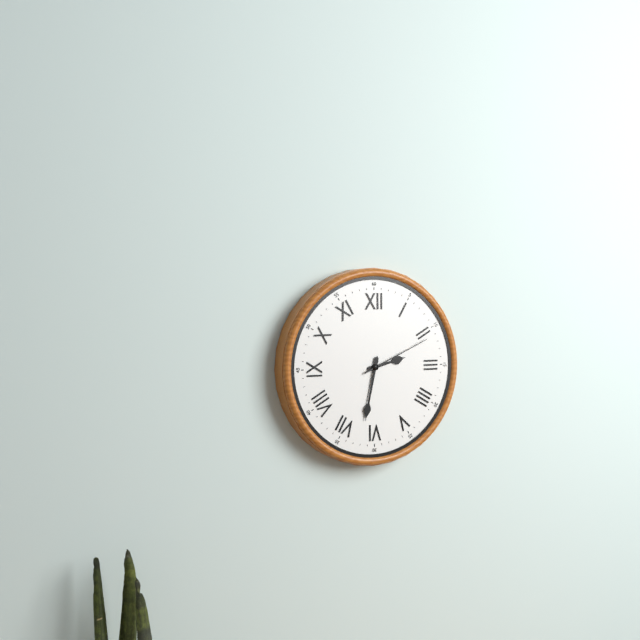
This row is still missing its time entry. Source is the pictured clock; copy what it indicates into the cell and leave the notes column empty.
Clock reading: 2:32:11
